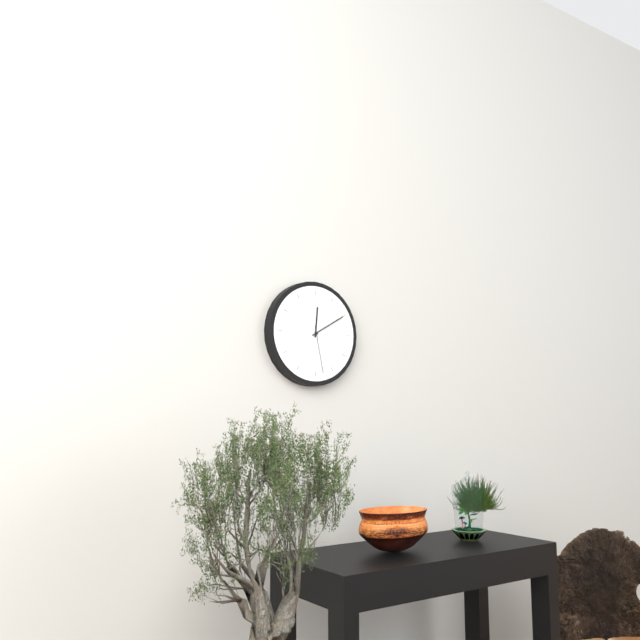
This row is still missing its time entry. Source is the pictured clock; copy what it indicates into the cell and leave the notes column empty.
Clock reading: 12:10:28
